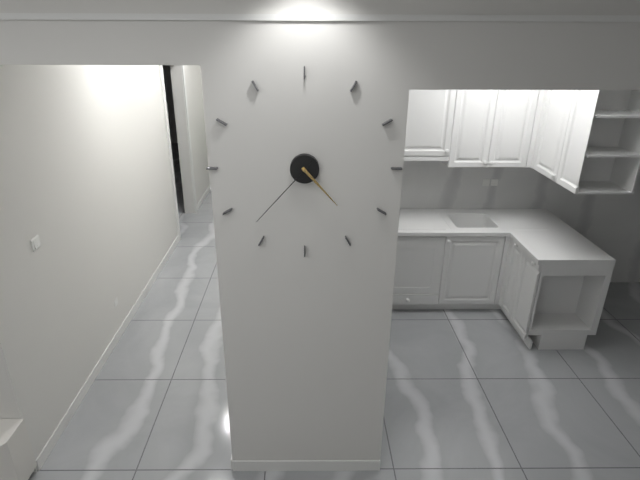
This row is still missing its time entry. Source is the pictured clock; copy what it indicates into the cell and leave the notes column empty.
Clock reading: 4:37
